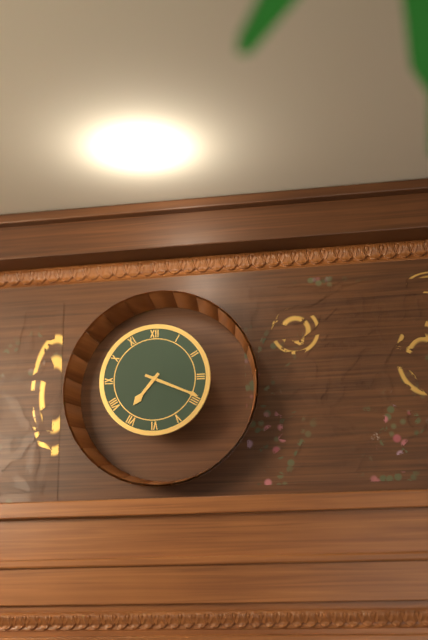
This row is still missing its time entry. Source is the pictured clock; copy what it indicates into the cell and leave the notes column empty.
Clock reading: 7:19
